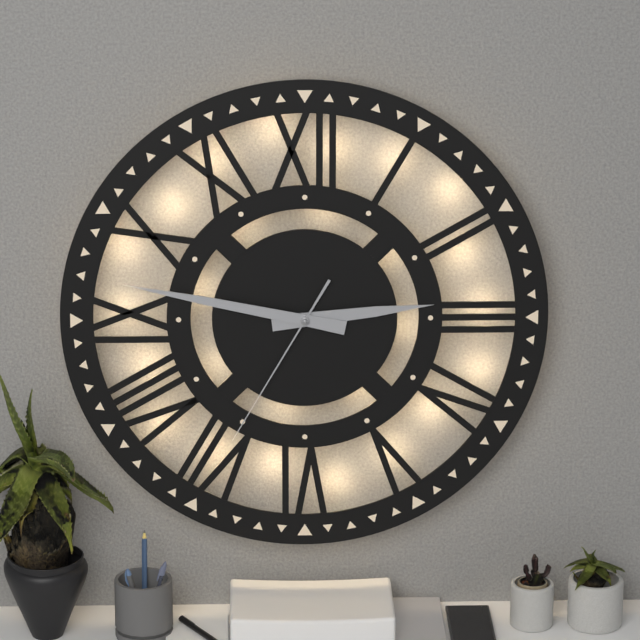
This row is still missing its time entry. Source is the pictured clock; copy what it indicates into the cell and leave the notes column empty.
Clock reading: 2:47:35
